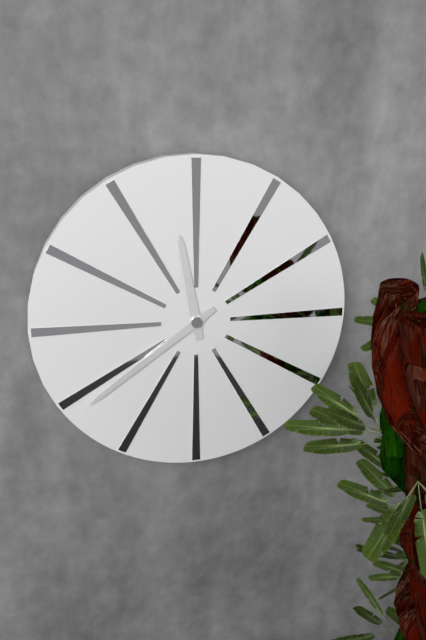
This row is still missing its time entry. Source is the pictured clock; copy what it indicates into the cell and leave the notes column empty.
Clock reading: 11:39
